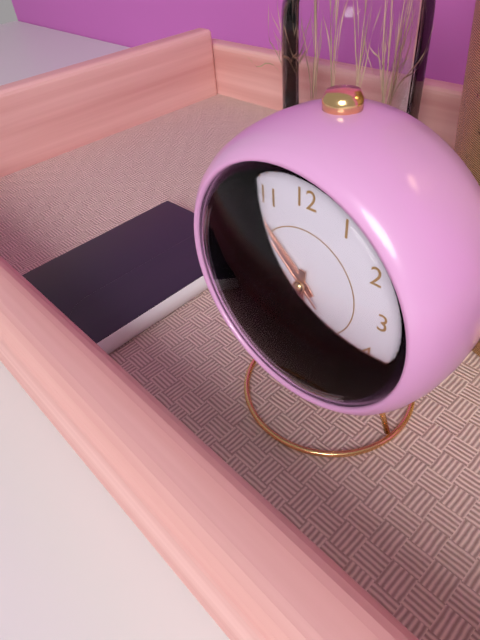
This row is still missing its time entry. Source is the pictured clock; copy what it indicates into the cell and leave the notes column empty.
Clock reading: 10:31:52
